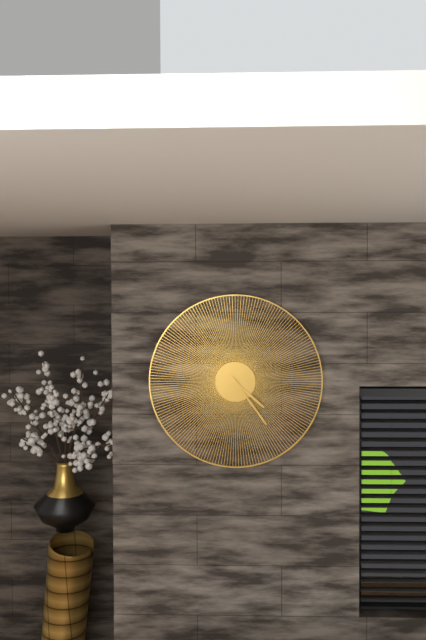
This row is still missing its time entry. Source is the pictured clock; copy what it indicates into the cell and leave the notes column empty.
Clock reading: 4:24
